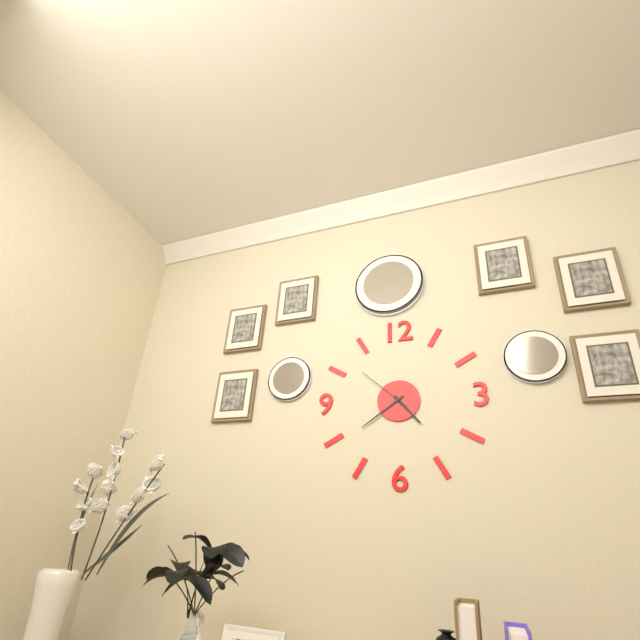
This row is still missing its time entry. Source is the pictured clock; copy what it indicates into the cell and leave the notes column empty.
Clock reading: 4:39:52
